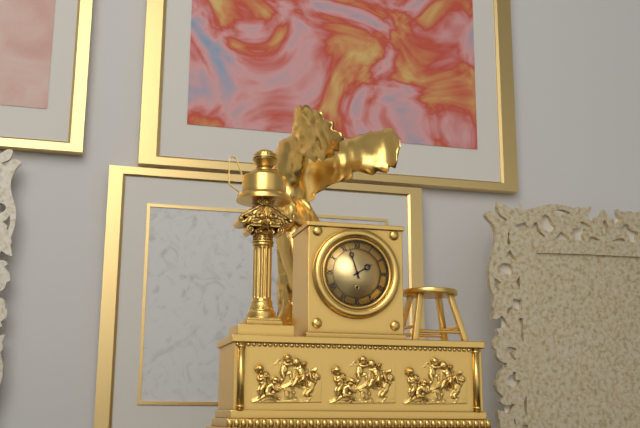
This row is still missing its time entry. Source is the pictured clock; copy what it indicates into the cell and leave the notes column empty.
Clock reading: 1:57
